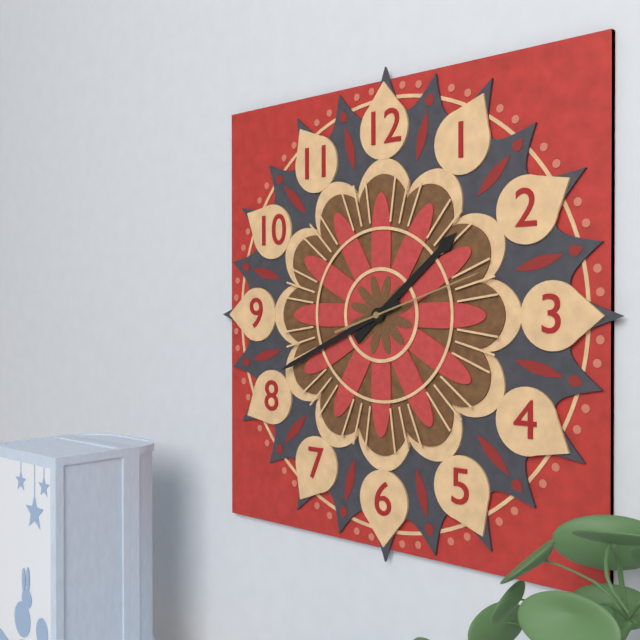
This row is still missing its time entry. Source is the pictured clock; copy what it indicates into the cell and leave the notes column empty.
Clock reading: 1:41:12
